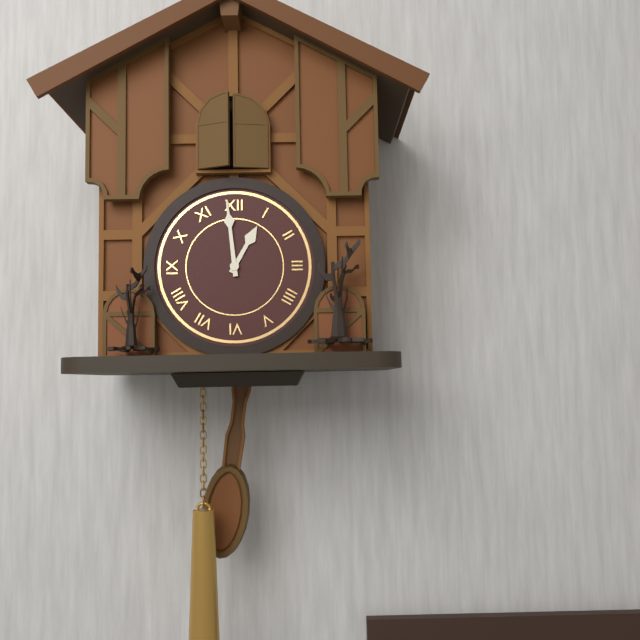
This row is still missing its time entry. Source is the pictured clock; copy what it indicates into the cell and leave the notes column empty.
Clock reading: 12:59
